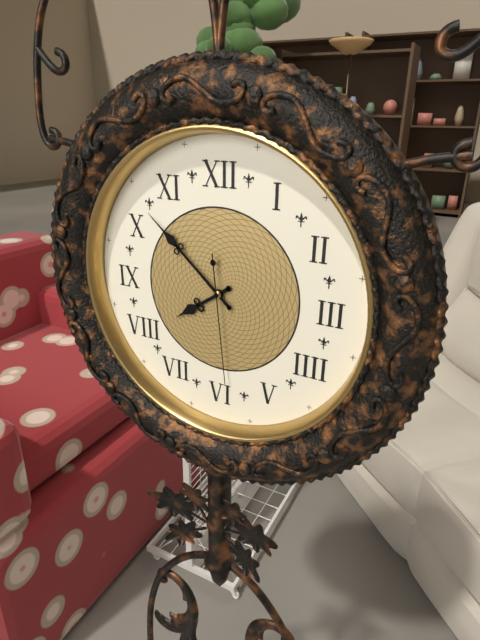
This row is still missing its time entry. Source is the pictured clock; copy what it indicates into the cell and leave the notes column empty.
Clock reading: 7:52:29
